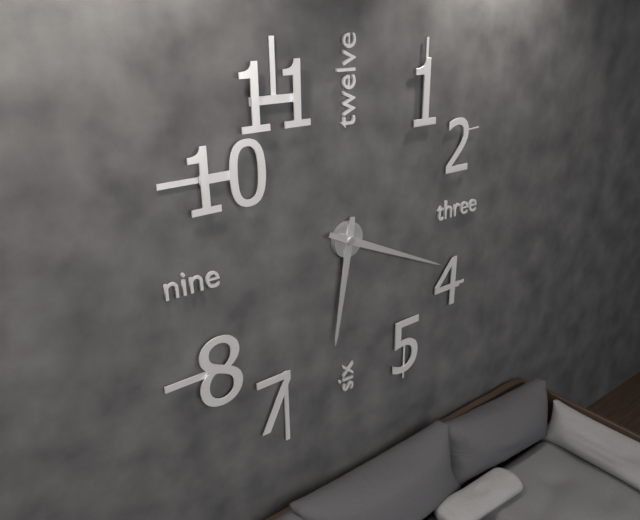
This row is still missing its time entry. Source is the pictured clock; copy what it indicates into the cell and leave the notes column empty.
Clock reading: 6:19
